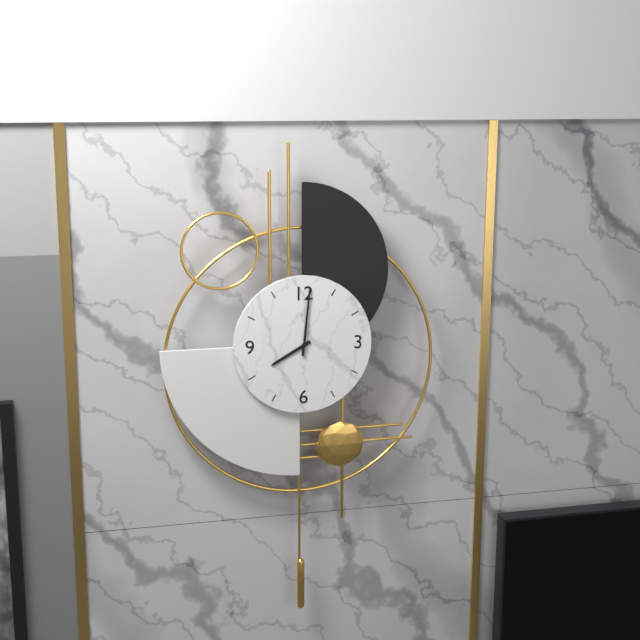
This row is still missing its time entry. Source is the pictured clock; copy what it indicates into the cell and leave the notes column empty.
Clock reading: 8:01
